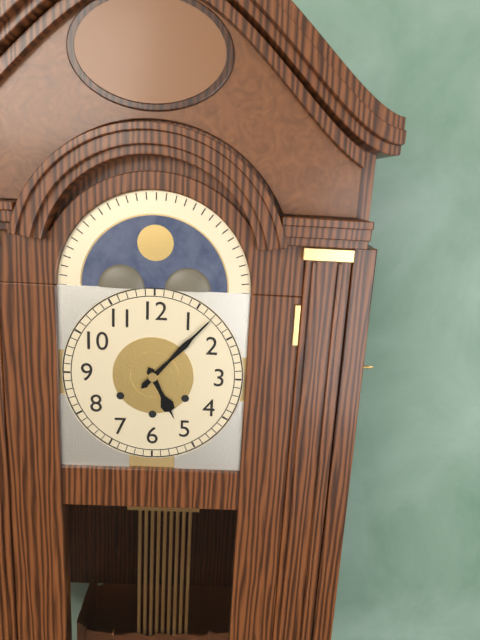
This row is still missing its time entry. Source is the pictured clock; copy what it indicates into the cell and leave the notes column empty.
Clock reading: 5:07
